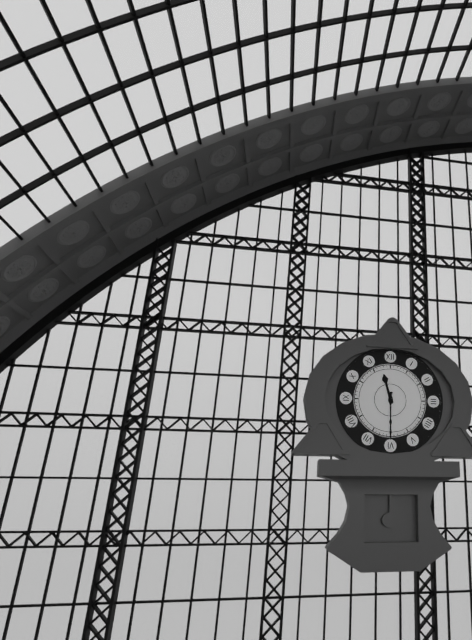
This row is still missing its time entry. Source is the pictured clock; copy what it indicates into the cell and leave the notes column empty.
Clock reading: 11:30
